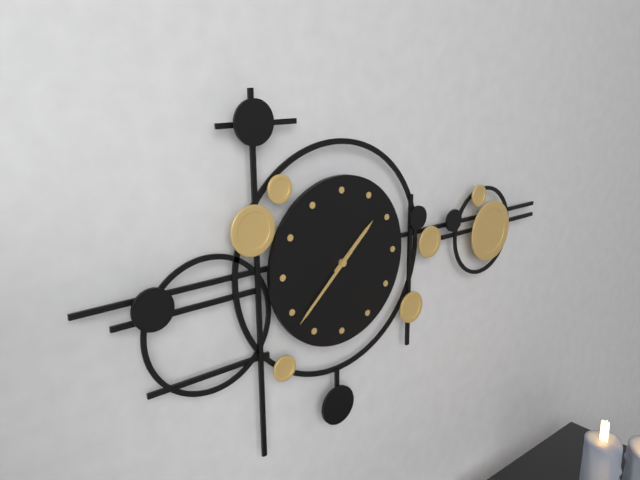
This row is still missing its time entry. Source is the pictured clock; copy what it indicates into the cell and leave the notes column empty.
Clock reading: 1:38
